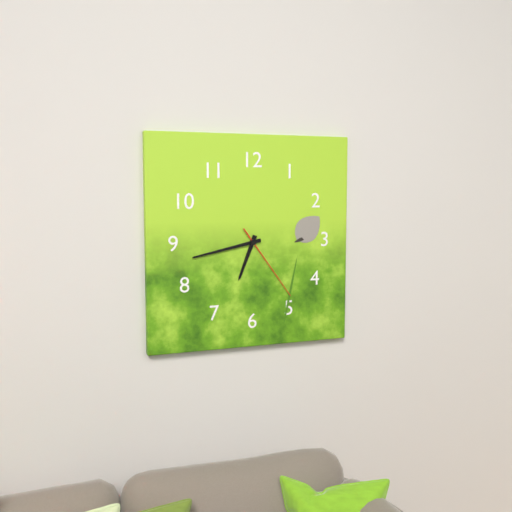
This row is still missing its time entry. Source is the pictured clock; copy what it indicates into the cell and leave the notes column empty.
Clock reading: 6:43:24
